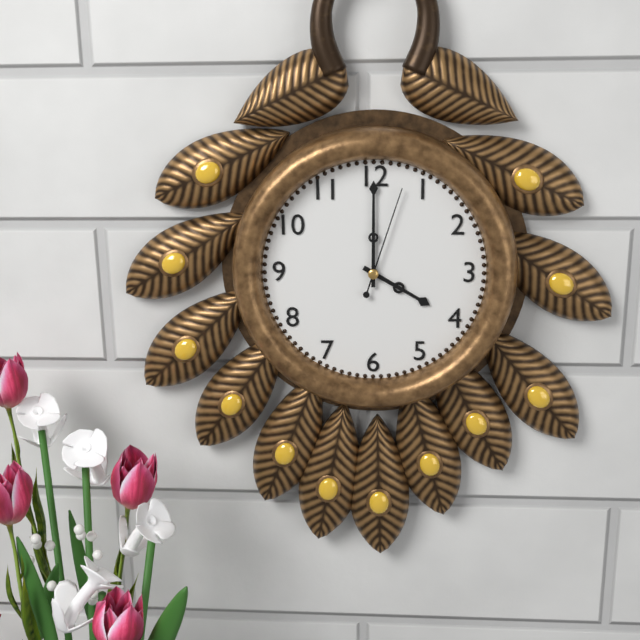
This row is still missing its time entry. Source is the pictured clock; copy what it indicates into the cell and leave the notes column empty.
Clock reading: 4:00:03
